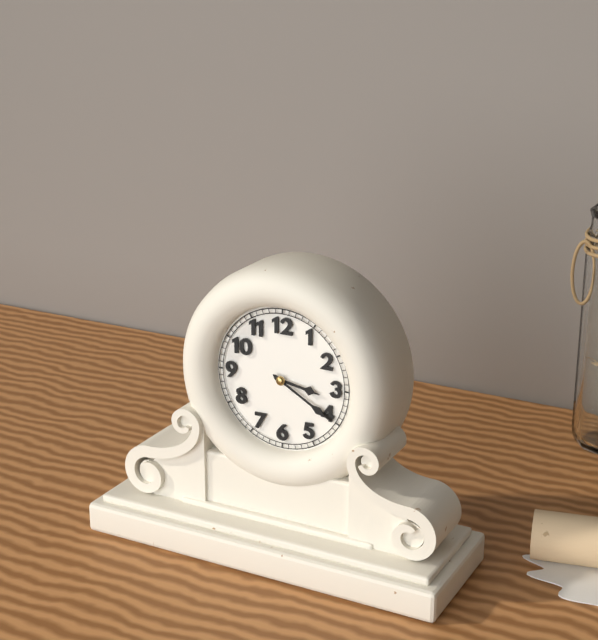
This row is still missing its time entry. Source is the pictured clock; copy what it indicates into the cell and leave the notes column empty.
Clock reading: 3:20
